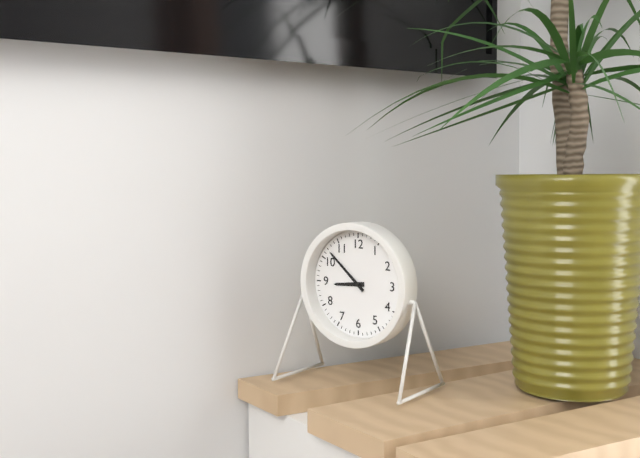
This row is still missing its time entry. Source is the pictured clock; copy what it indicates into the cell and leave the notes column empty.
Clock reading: 8:52
